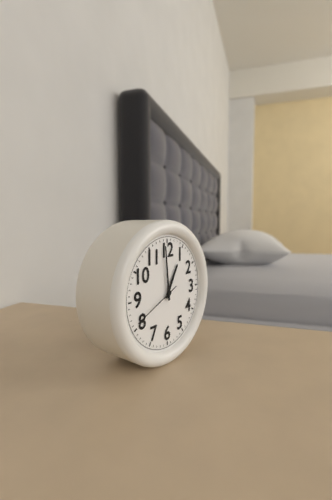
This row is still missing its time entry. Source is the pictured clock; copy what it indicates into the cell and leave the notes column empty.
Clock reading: 12:59:41
